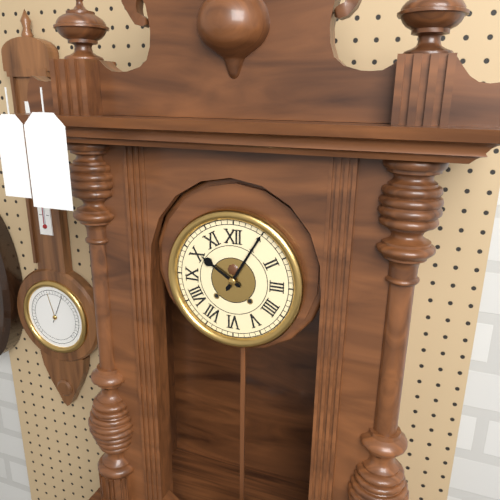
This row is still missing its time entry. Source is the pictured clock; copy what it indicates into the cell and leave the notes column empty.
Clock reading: 10:05
